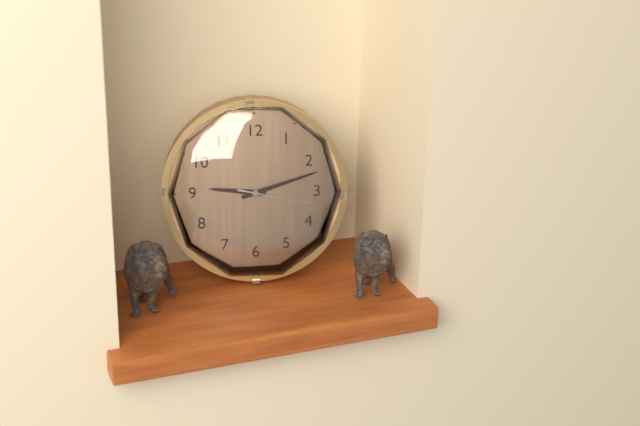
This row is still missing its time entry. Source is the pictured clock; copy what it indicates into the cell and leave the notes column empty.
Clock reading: 9:12:17
